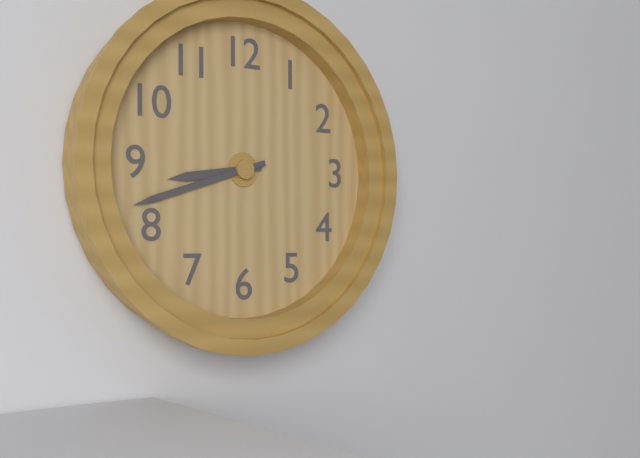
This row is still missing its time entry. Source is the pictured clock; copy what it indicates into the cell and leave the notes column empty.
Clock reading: 8:42
